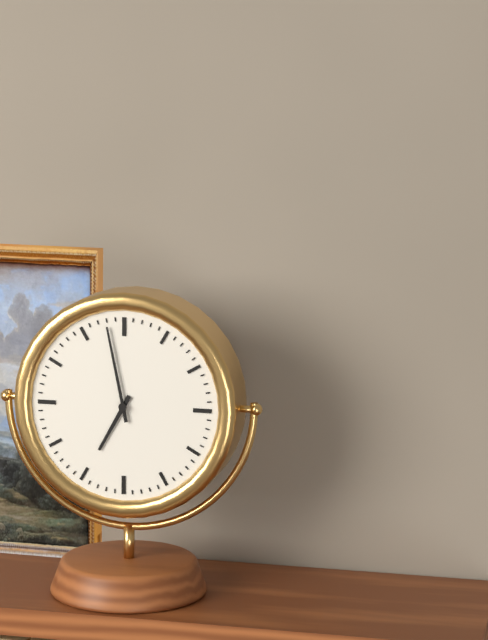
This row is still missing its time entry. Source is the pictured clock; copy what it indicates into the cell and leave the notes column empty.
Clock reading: 6:58
